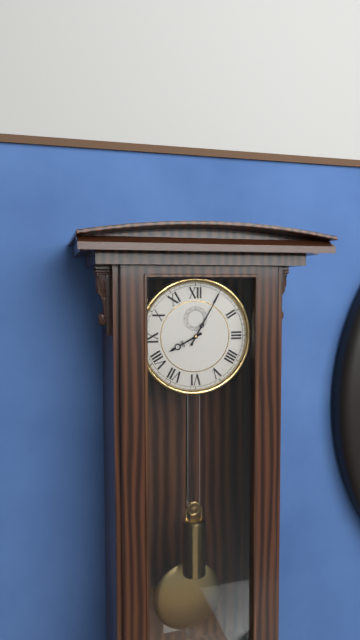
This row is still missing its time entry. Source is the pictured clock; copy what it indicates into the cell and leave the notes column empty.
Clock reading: 8:05
